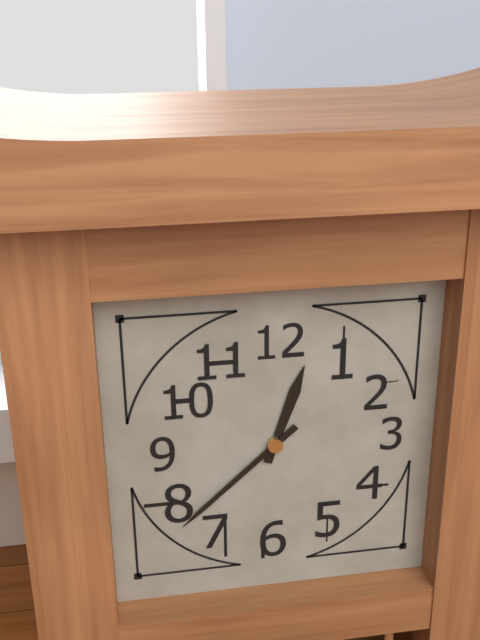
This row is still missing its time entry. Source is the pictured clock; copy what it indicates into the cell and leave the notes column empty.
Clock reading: 12:38
